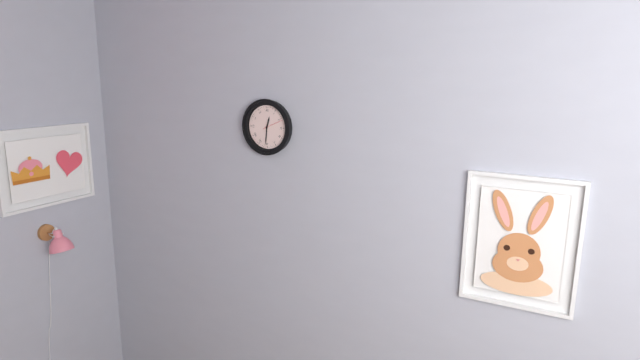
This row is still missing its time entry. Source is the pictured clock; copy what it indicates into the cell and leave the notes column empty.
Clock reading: 12:31
